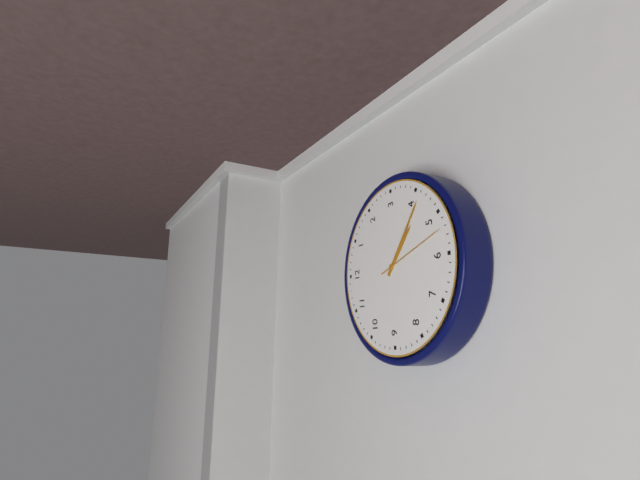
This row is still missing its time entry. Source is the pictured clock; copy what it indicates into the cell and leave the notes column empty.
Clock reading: 4:21:27
